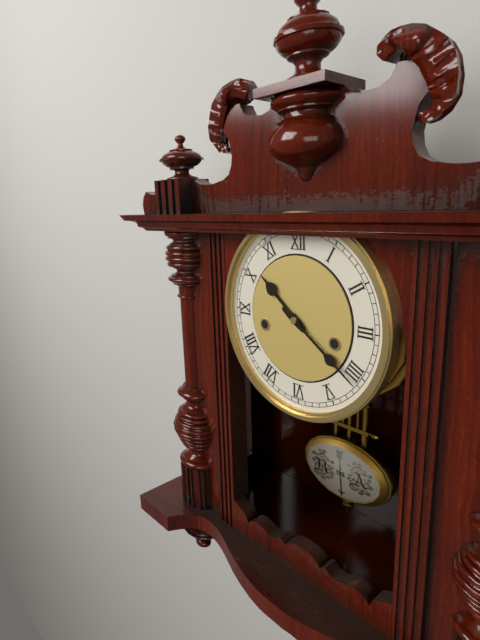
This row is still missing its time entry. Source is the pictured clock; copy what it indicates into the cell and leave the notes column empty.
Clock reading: 10:21
